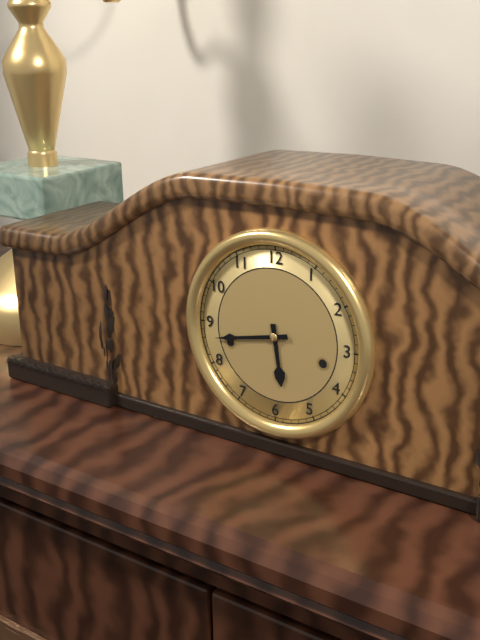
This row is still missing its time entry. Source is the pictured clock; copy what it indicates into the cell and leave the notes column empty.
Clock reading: 5:43
